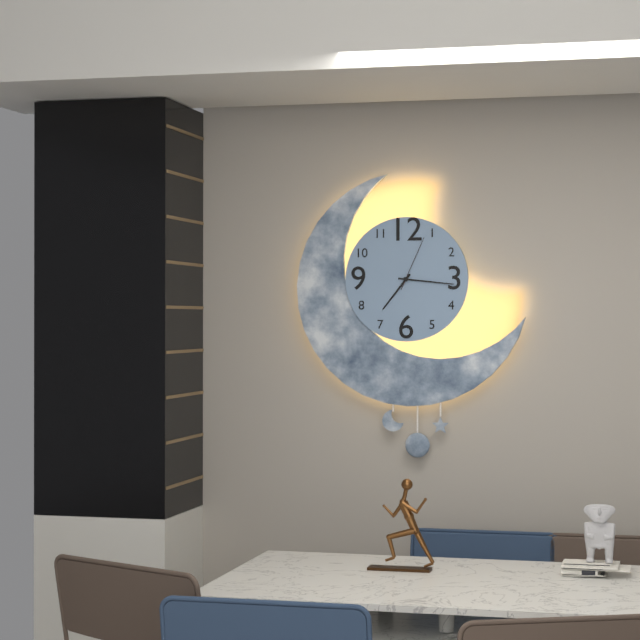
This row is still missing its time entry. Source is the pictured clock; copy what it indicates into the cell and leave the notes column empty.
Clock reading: 7:16:04
